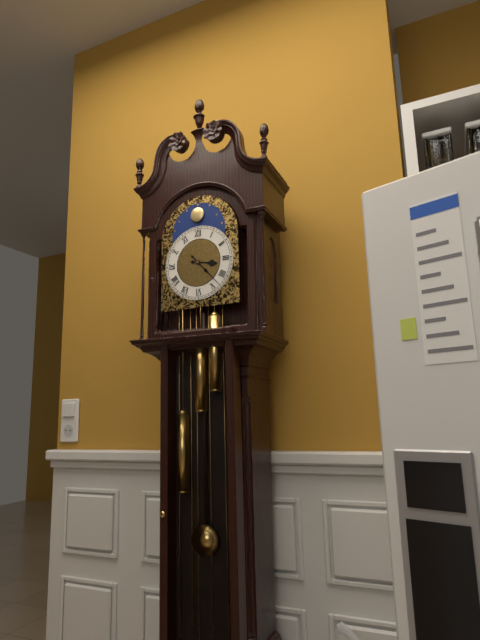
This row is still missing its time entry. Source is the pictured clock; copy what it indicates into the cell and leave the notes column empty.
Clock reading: 3:23
